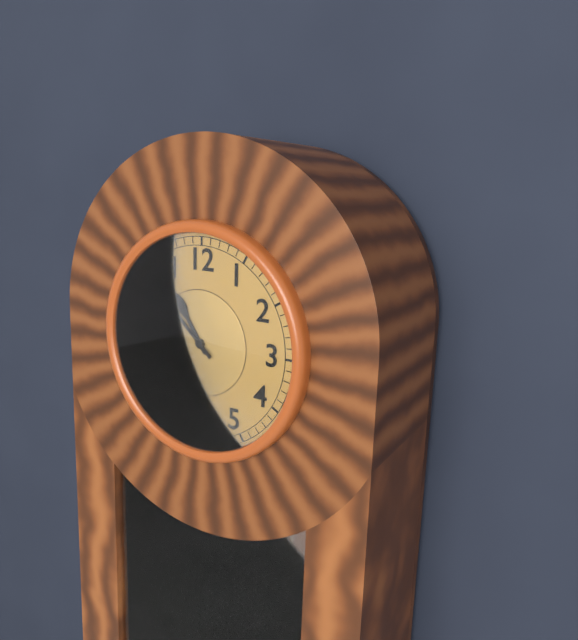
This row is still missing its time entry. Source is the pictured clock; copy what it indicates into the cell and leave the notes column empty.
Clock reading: 10:52
